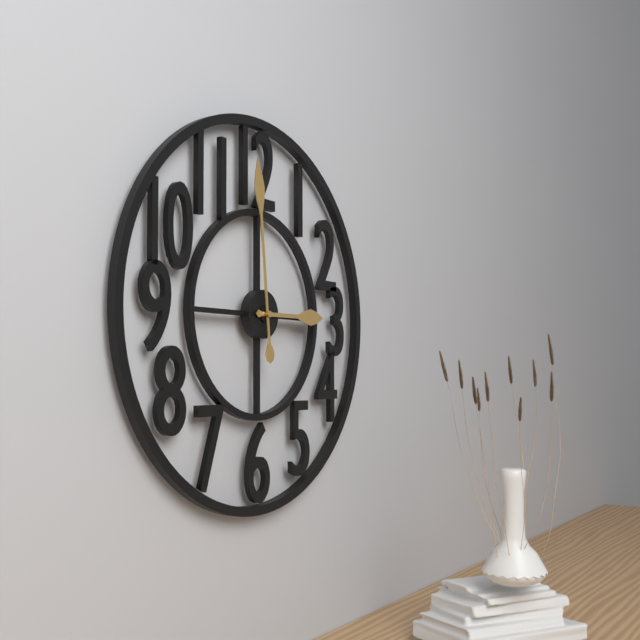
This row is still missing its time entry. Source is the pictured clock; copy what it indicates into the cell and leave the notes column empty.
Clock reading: 2:59
